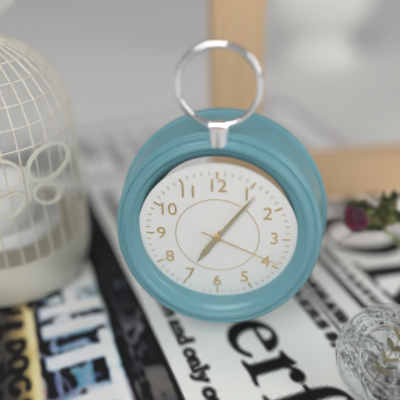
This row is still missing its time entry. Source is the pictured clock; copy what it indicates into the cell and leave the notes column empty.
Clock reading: 7:06:19
